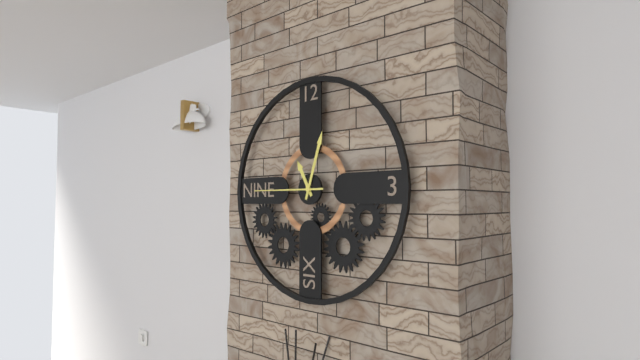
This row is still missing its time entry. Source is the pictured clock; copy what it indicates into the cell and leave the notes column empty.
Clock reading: 11:03:45
